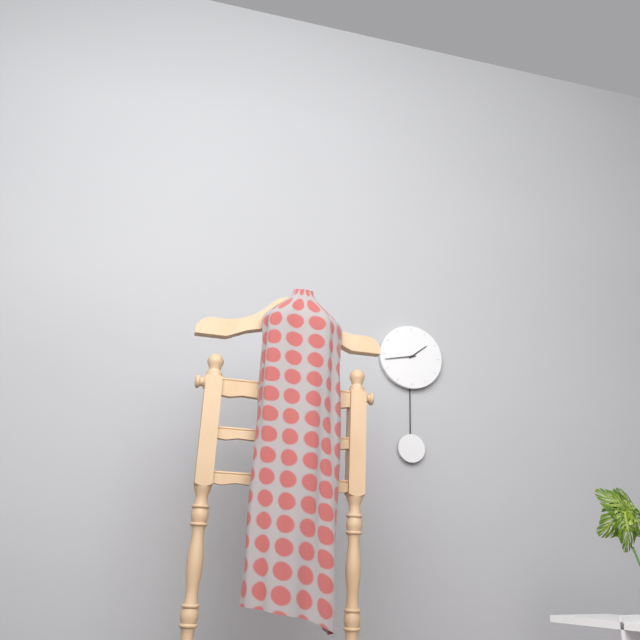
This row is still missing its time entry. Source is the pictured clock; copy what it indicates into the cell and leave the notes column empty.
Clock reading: 1:43
